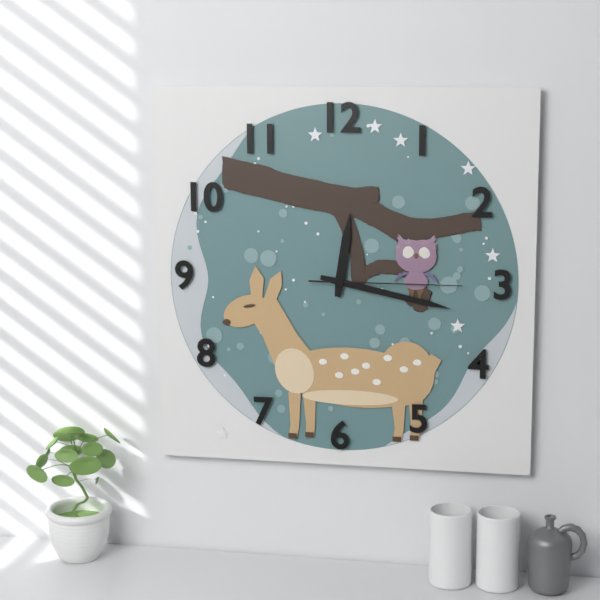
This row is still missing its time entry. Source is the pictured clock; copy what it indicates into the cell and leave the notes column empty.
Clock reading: 12:17:15
